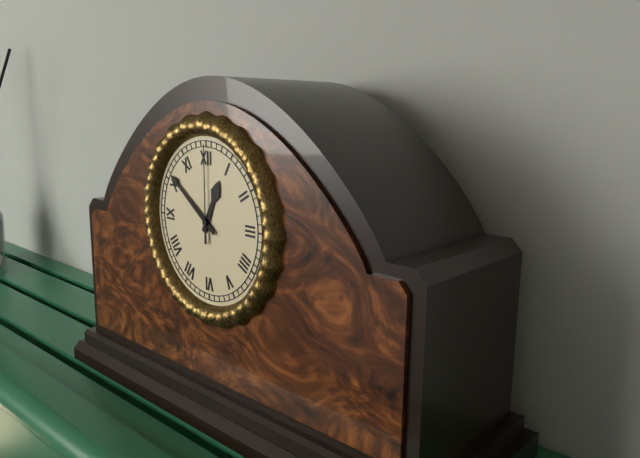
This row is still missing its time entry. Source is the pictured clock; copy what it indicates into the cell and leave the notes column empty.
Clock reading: 12:51:00
